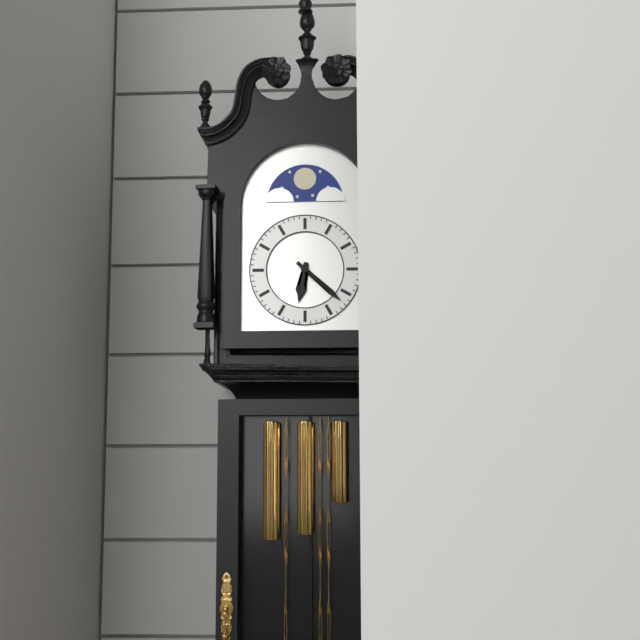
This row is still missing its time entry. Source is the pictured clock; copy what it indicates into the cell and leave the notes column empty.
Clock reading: 6:22
